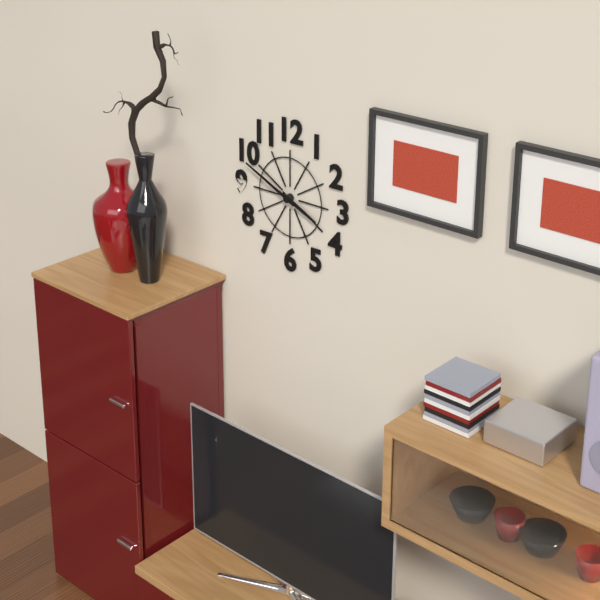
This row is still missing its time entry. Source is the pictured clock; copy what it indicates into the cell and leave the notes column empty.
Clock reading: 3:49
